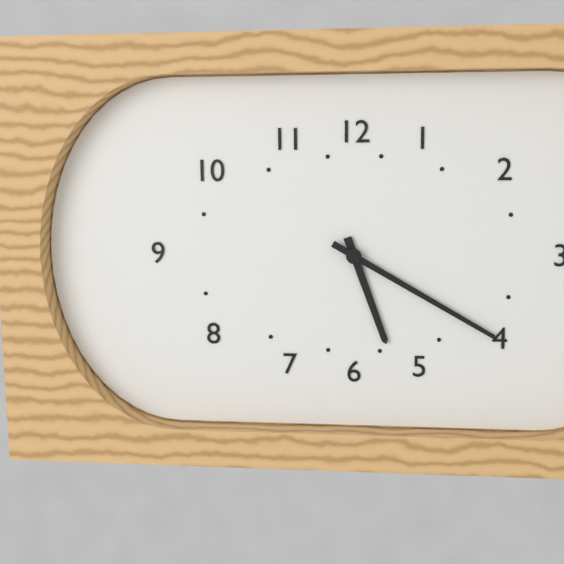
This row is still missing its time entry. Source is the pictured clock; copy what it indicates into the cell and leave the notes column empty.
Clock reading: 5:20
